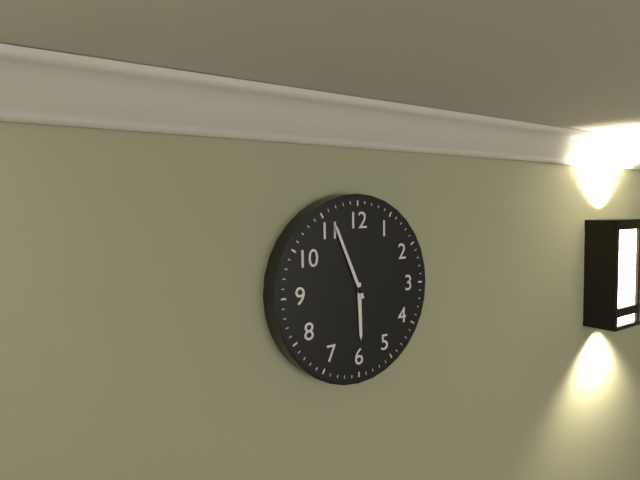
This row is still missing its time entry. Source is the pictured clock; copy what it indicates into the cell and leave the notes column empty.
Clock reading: 5:56
